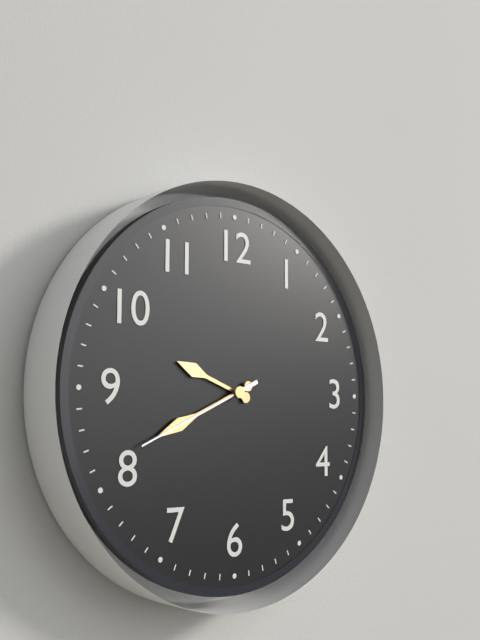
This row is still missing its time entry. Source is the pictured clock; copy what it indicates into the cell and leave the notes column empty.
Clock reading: 9:41:41
